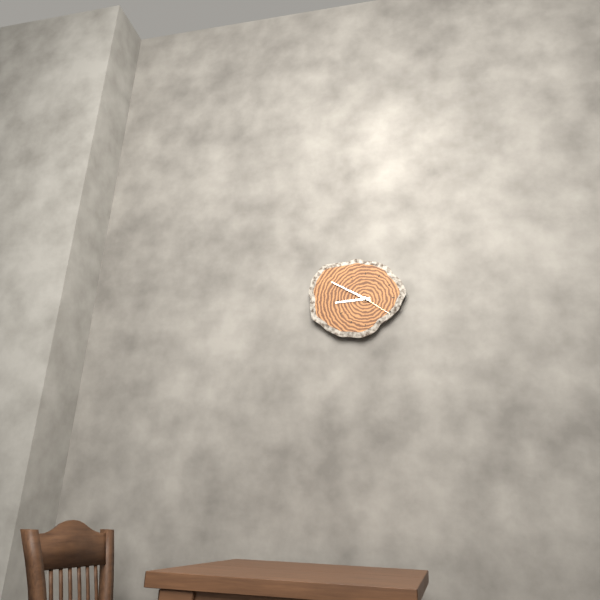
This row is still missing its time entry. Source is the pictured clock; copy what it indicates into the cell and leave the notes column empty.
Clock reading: 8:50
